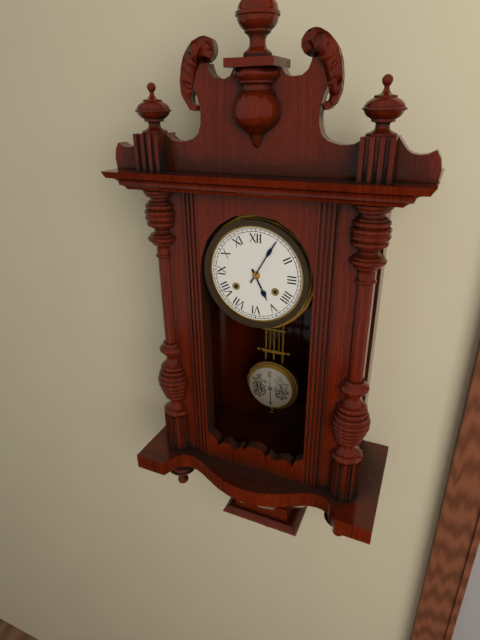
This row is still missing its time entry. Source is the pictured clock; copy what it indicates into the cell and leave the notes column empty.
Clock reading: 5:05
